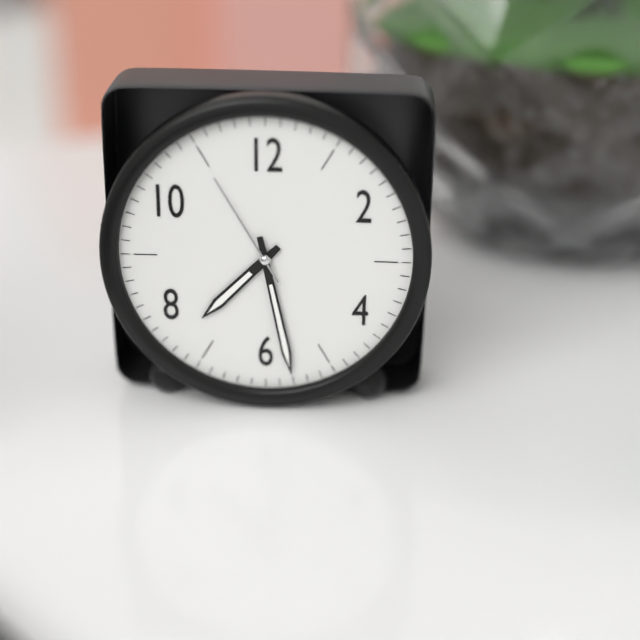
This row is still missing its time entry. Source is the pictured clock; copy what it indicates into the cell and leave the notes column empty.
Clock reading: 7:28:55
